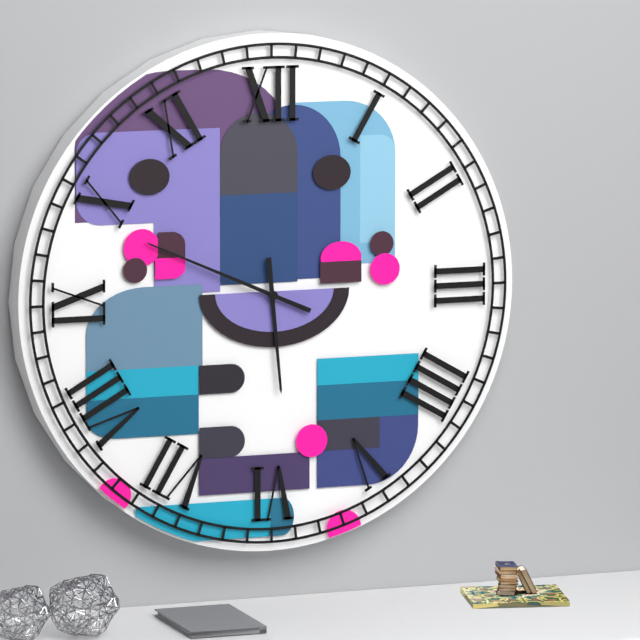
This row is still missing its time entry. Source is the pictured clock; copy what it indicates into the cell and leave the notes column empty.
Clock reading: 5:49
